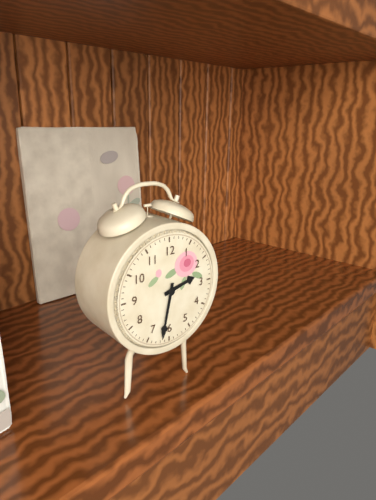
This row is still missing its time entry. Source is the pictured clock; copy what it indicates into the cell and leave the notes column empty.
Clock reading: 2:32
